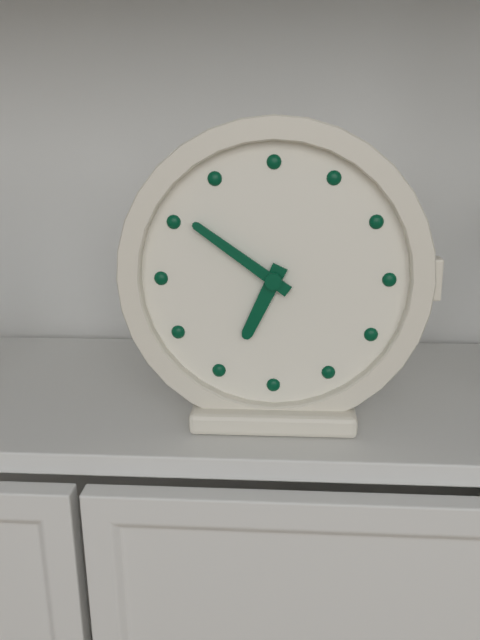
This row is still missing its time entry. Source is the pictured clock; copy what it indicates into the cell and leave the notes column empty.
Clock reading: 6:51
